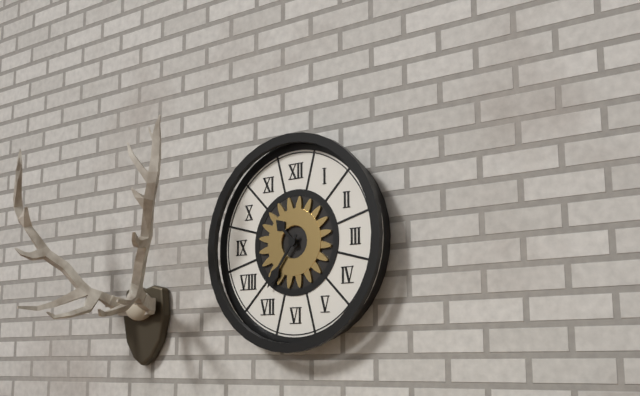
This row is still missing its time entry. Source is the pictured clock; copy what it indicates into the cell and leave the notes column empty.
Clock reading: 10:36
